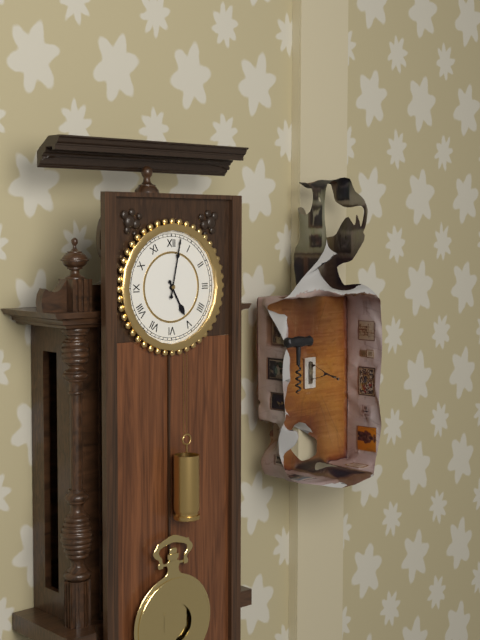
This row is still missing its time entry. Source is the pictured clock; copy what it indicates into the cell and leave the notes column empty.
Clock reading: 5:02
